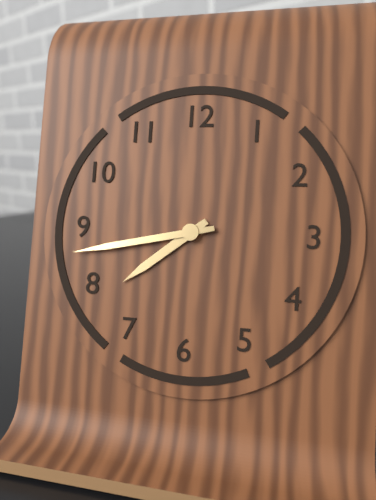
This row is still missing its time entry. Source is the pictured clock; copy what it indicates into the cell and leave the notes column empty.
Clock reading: 7:43
